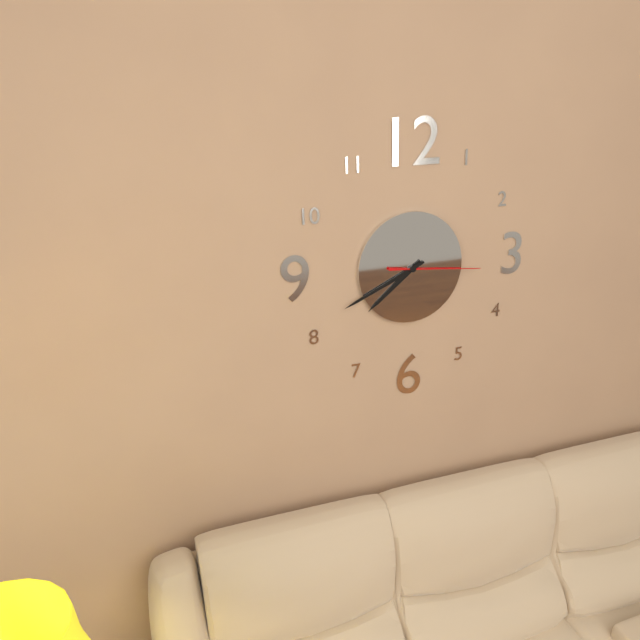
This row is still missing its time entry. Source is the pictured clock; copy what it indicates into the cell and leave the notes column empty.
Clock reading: 7:41:16
